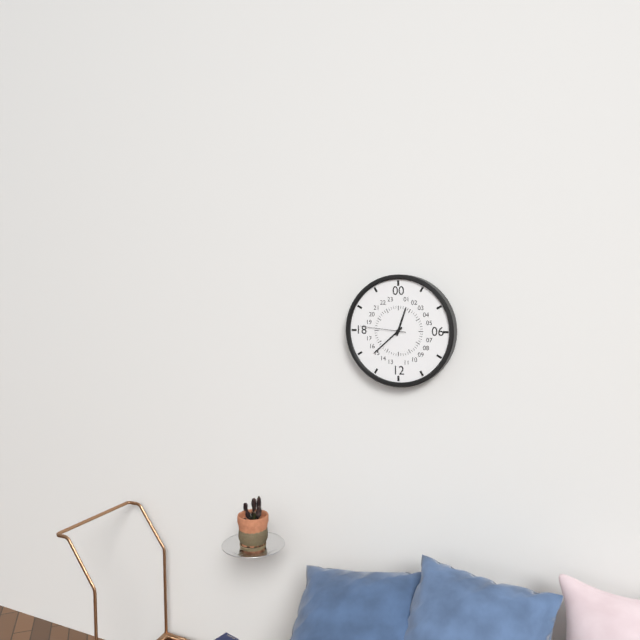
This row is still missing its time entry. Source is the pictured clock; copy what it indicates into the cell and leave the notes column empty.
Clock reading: 12:38
